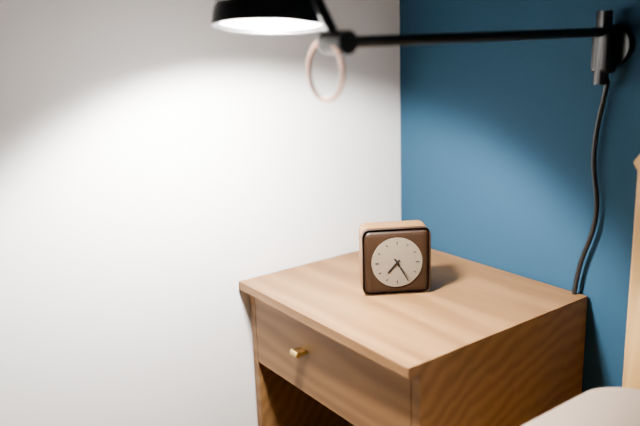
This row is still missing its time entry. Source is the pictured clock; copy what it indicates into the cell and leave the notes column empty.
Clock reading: 7:25
